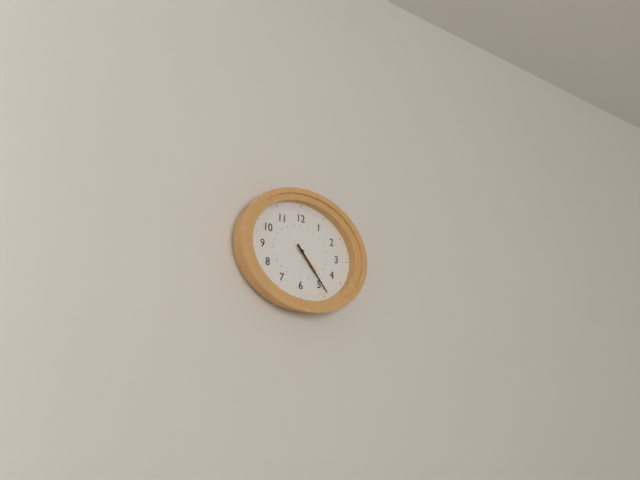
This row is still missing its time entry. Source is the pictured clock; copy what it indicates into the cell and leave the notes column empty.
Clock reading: 4:23
